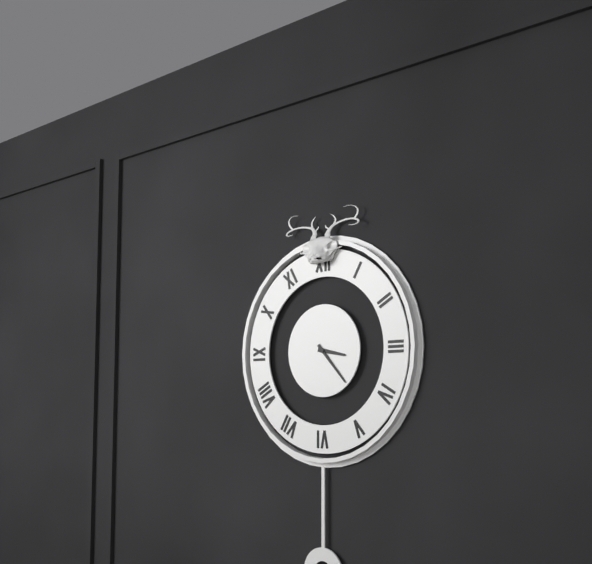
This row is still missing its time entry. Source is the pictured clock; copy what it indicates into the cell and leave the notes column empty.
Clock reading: 3:23
